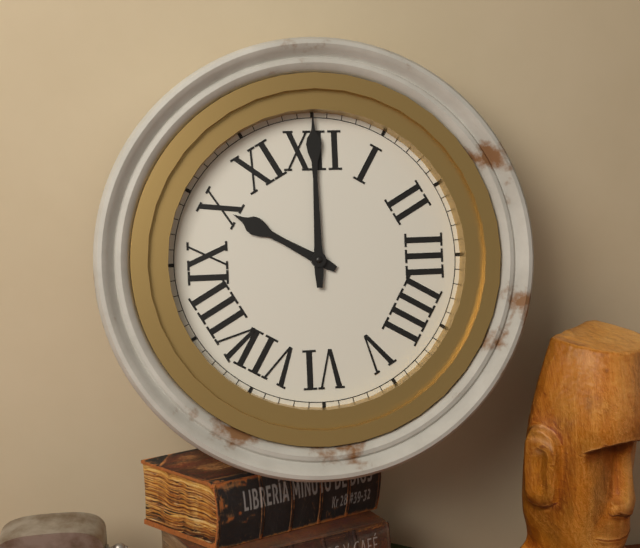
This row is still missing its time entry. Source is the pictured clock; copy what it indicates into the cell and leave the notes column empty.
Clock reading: 10:00
